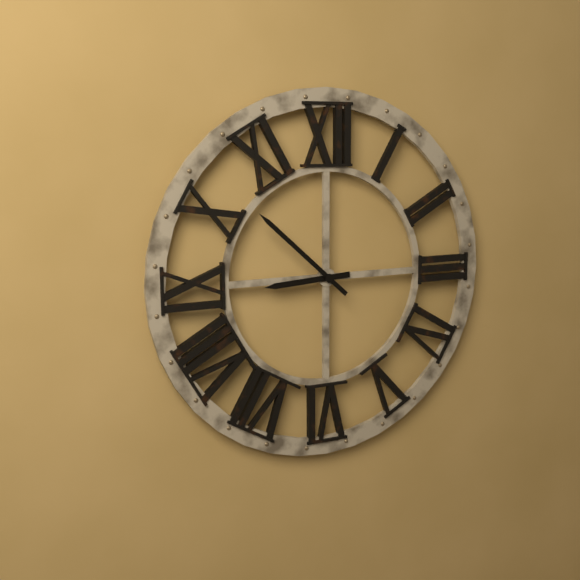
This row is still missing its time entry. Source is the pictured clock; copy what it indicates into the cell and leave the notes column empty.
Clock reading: 8:52
